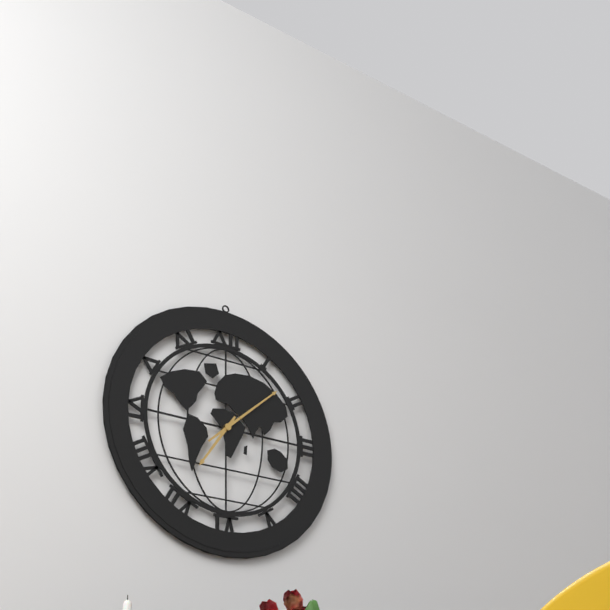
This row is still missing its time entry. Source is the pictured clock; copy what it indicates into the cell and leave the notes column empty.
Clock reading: 7:08
